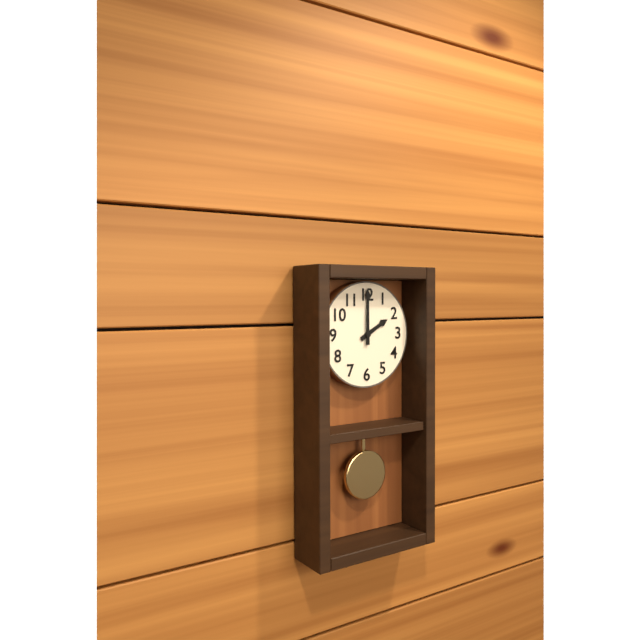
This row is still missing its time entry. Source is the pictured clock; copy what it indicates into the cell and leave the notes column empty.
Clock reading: 2:00
